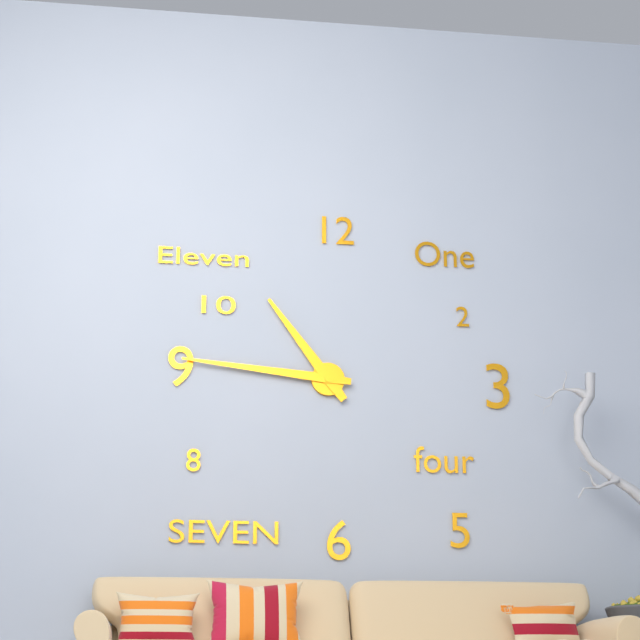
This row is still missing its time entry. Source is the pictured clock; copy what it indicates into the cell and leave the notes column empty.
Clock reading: 10:46
